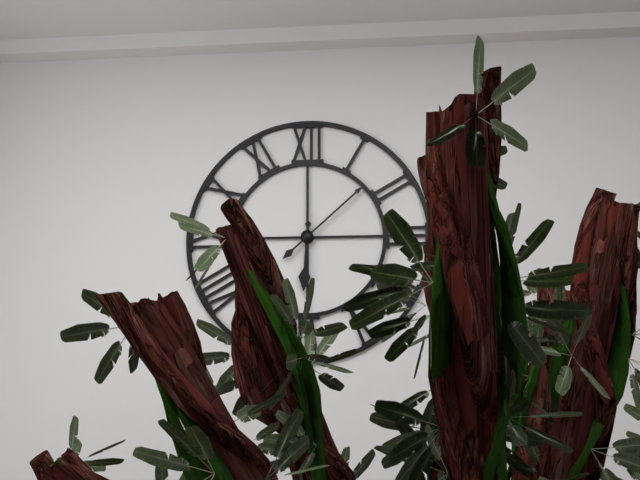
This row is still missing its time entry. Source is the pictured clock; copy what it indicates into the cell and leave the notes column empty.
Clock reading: 6:08
